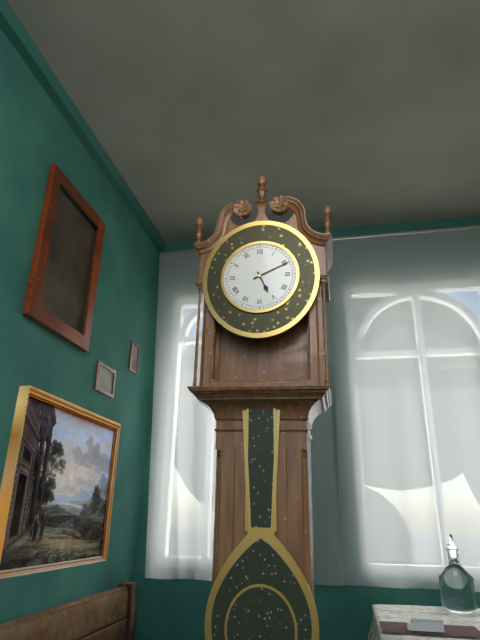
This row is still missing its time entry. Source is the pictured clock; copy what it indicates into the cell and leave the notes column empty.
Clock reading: 5:11
